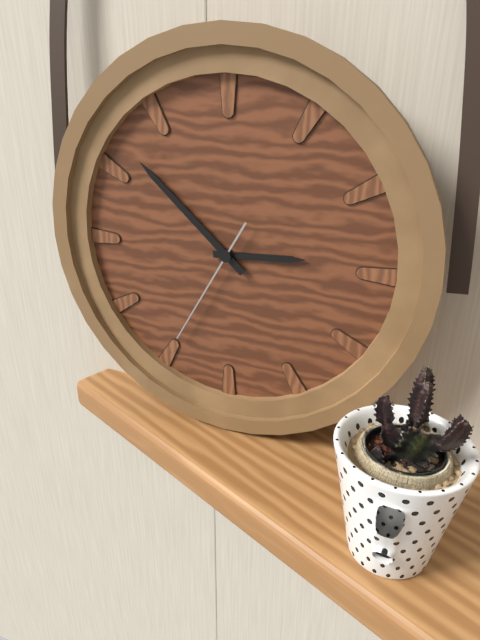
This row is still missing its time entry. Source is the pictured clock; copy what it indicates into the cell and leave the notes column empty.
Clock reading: 2:52:35
